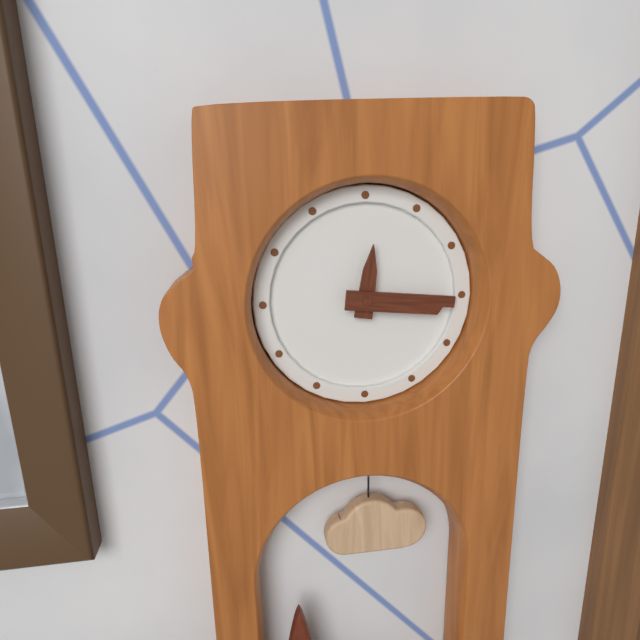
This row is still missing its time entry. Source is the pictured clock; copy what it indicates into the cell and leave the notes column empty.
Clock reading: 12:16
